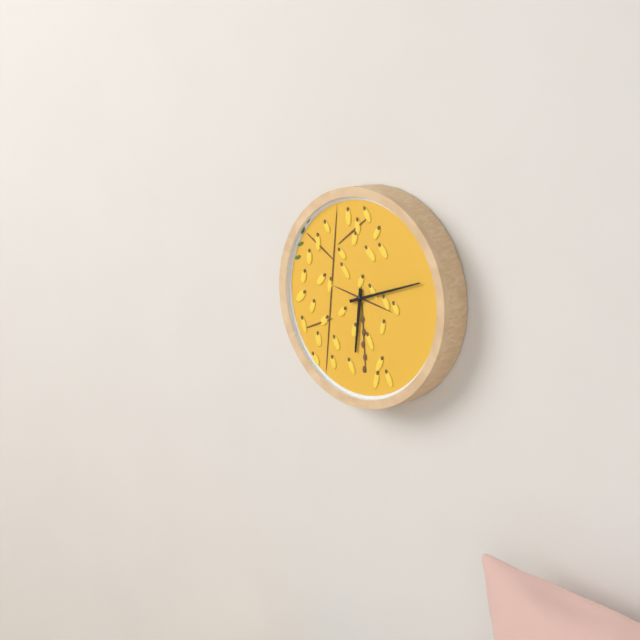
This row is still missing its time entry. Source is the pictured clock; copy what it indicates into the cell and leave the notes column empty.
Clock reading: 6:12
